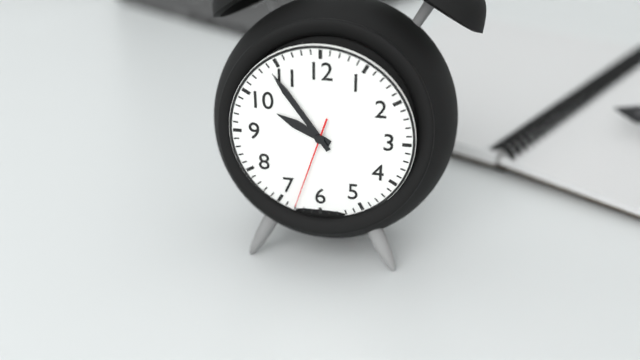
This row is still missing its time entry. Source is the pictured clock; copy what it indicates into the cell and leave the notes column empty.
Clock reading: 9:54:33
